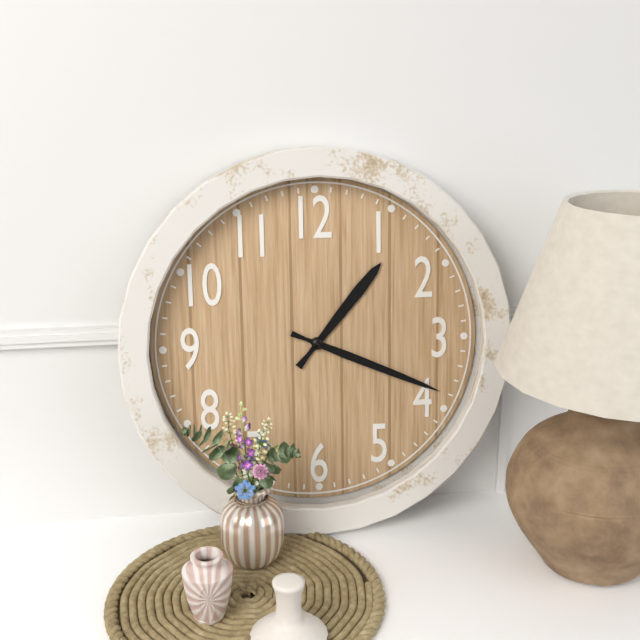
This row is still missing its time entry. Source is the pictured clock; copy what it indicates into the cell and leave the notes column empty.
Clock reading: 1:19
